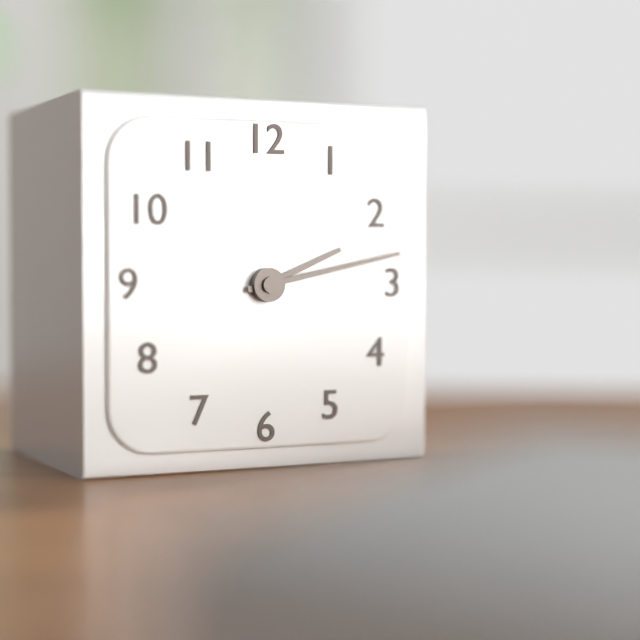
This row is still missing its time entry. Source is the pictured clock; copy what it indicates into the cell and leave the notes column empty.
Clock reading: 2:13
